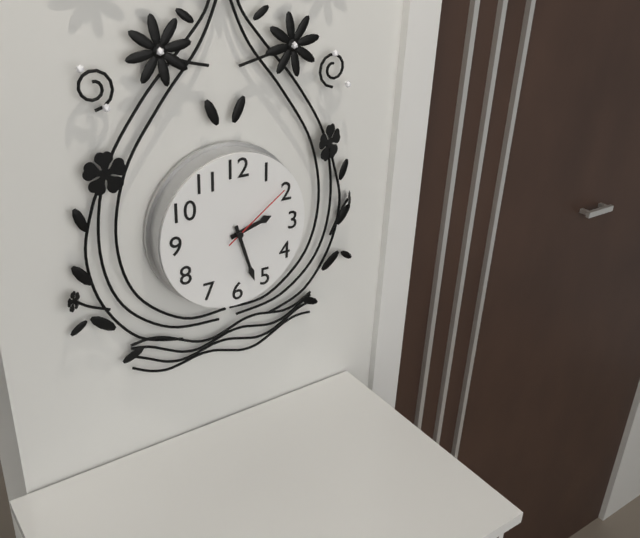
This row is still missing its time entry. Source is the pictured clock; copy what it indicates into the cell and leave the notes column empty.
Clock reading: 2:27:09
